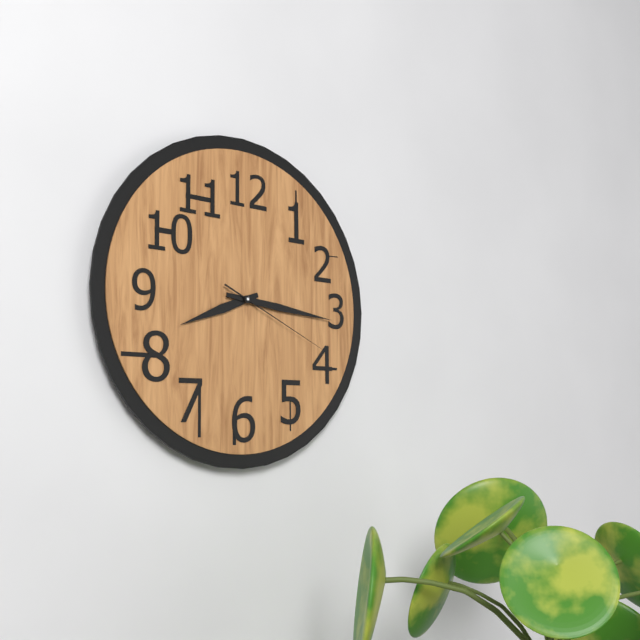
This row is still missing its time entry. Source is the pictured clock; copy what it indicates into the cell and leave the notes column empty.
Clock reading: 8:16:19
